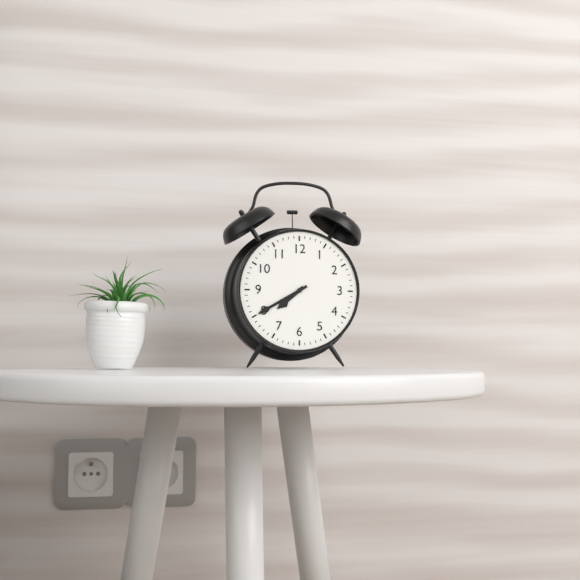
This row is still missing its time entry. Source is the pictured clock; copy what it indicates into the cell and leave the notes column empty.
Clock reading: 7:40
